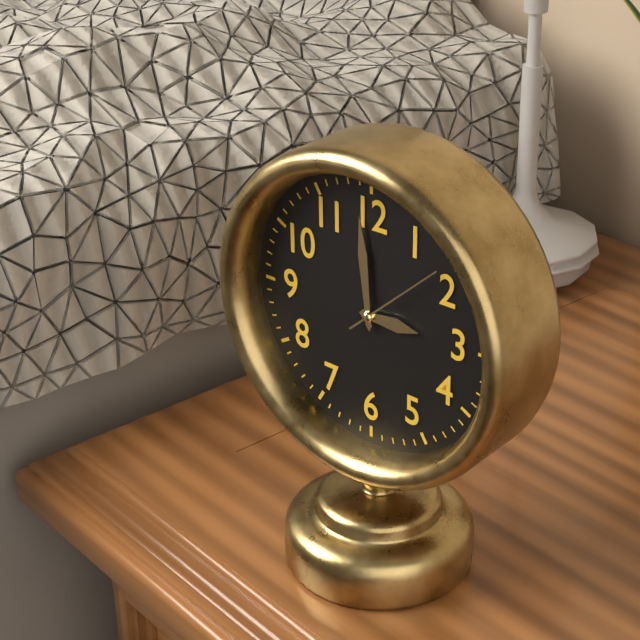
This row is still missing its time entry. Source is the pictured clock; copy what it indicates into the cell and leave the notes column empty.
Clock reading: 2:59:08
